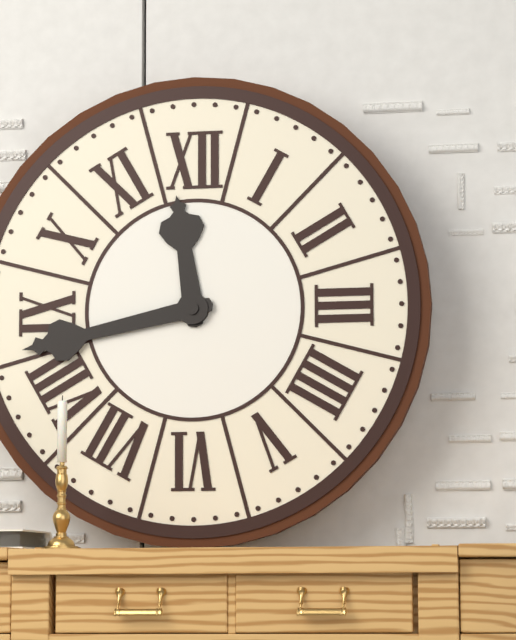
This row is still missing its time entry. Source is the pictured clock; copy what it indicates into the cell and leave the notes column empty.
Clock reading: 11:43
